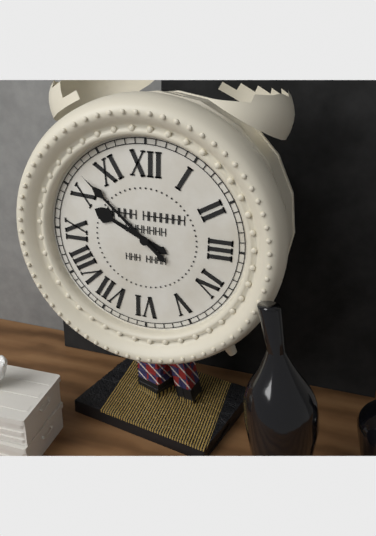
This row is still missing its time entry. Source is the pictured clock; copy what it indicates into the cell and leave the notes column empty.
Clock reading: 9:52
